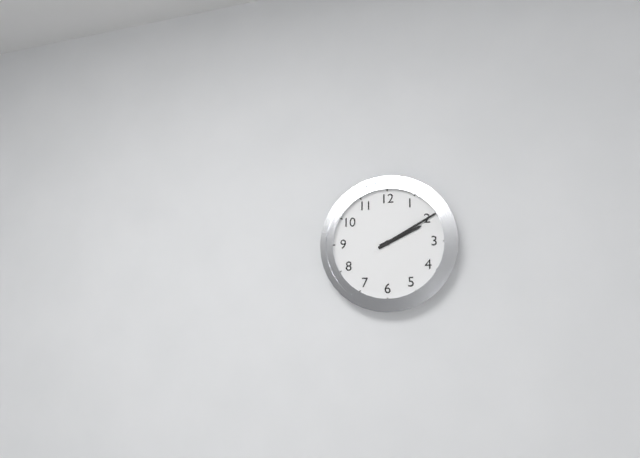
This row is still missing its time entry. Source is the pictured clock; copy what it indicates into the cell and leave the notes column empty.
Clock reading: 2:10
